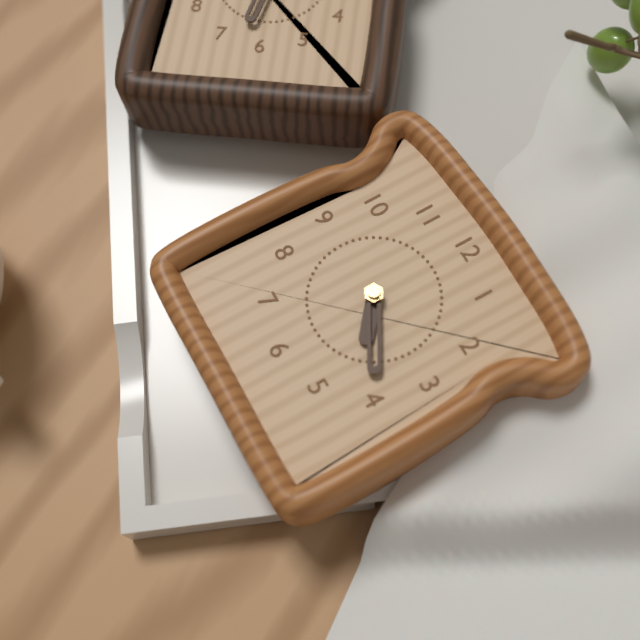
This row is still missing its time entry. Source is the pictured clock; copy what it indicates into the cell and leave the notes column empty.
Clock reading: 4:20
